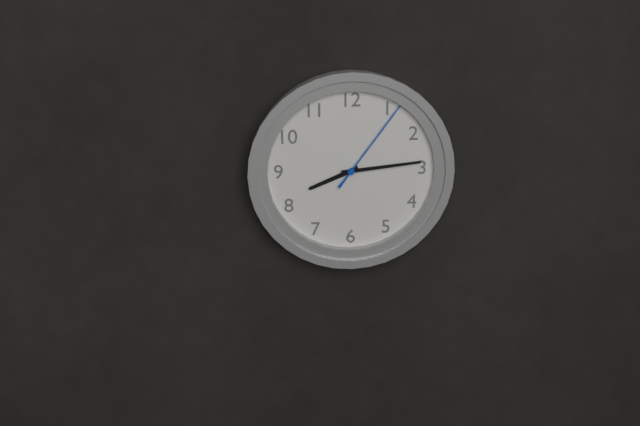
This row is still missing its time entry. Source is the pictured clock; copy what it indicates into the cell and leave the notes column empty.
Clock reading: 8:14:06
